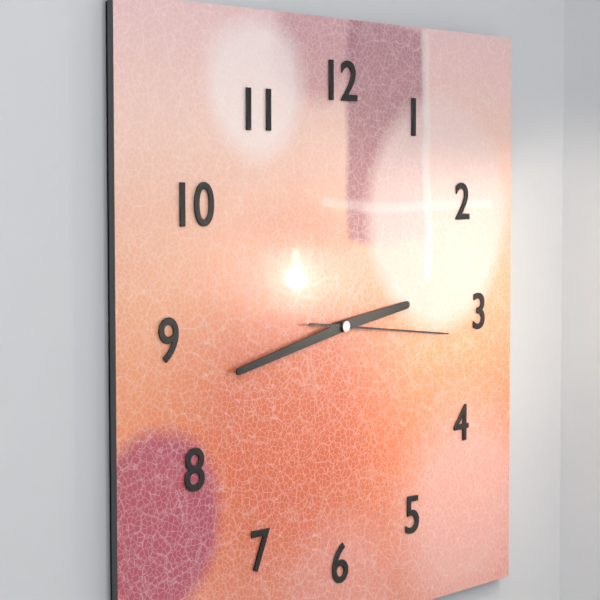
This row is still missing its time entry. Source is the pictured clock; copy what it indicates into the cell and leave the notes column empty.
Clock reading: 2:43:16
